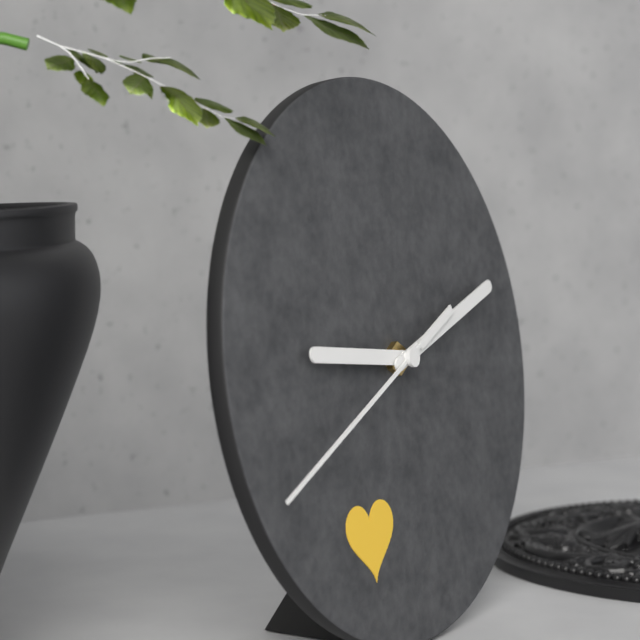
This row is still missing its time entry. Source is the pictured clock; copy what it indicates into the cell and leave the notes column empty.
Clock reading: 9:12:41
